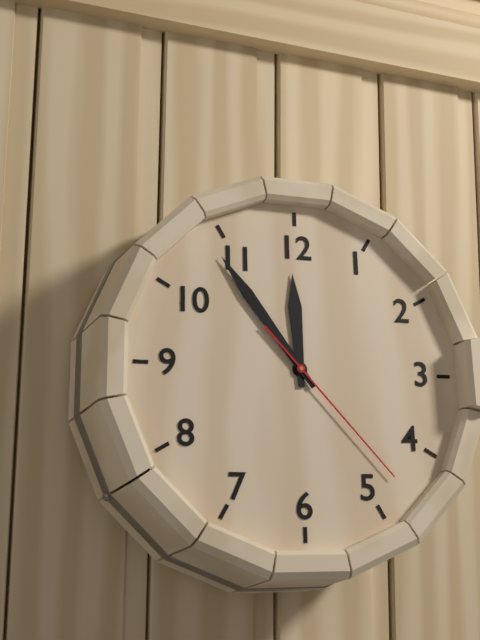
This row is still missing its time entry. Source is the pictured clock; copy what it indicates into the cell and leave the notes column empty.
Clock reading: 11:54:23
